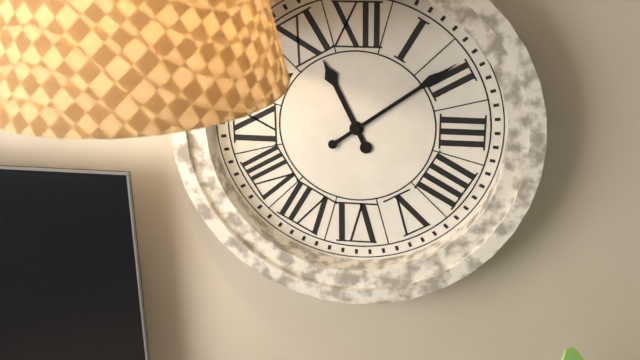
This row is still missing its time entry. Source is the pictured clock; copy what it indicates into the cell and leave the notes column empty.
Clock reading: 11:09
